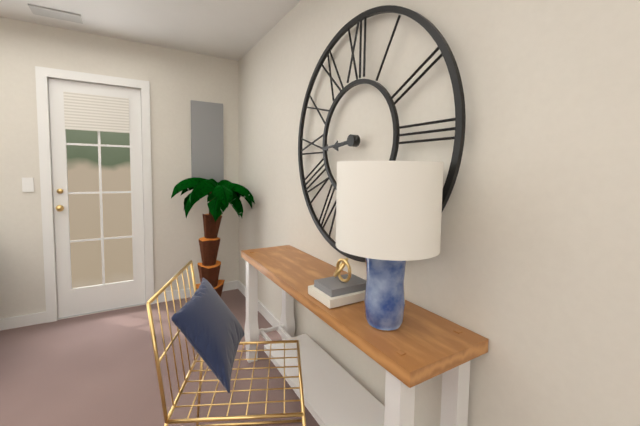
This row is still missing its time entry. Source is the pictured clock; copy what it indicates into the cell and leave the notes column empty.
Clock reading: 8:44
